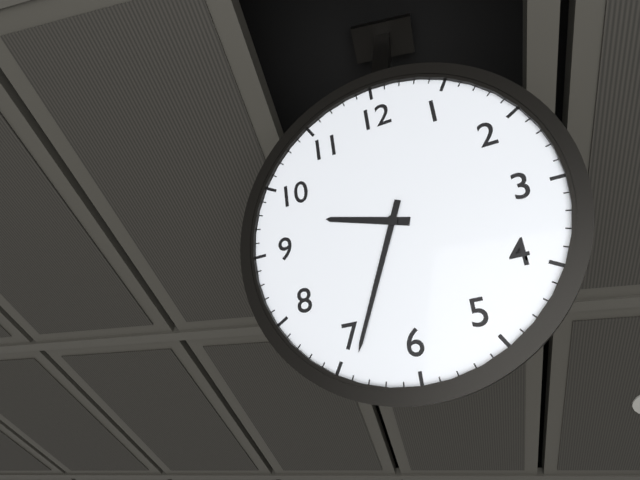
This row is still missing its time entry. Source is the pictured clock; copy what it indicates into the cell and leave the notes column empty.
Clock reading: 9:34
